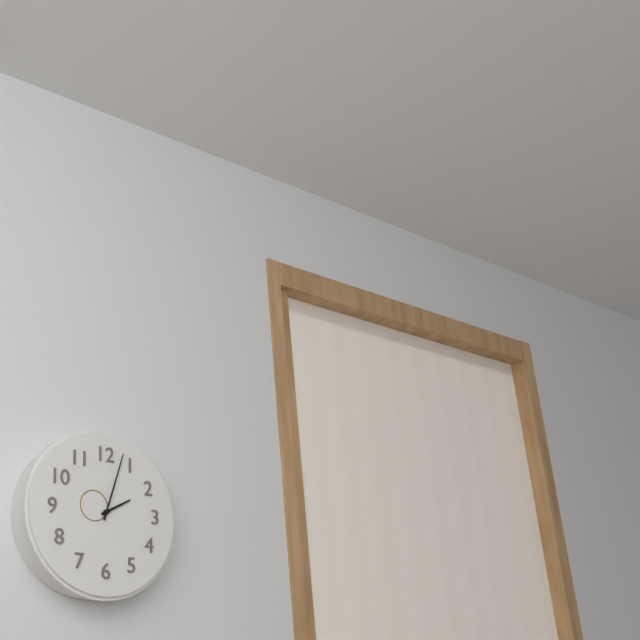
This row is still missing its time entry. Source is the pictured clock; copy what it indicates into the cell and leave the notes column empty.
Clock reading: 2:03
